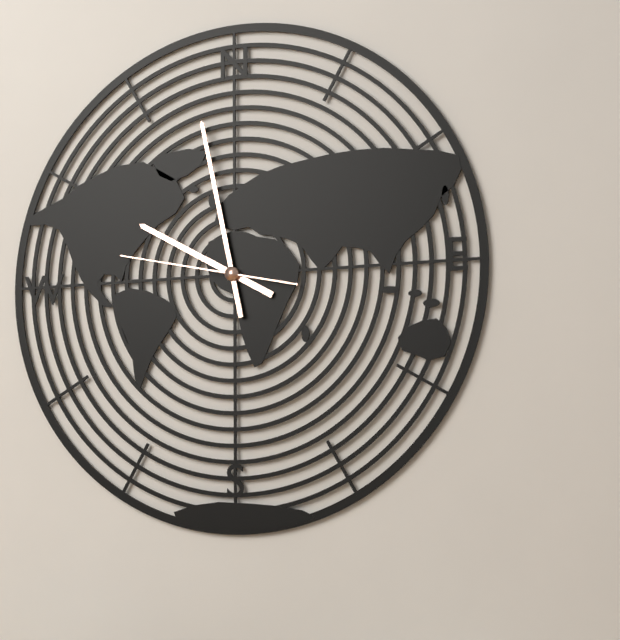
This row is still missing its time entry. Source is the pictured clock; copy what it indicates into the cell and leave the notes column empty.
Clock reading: 9:58:47
